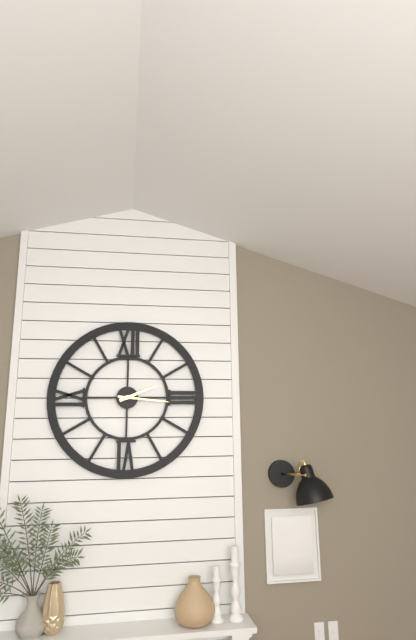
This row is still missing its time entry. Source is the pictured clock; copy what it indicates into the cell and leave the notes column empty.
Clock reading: 2:16
